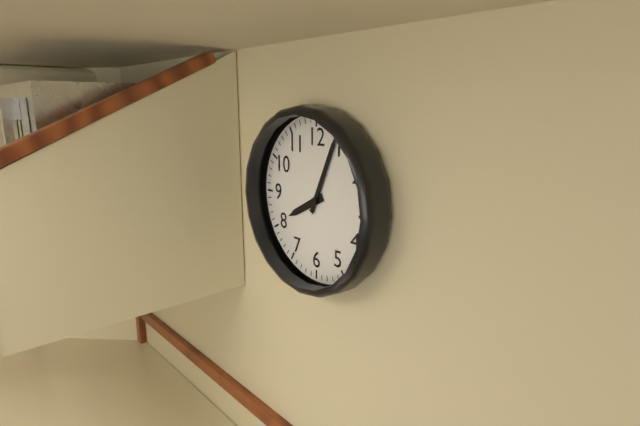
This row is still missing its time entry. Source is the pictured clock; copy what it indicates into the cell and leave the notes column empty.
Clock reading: 8:04
